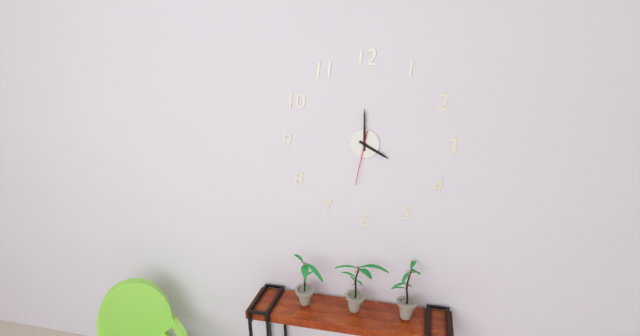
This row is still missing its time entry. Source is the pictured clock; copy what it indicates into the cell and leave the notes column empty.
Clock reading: 4:00:32
